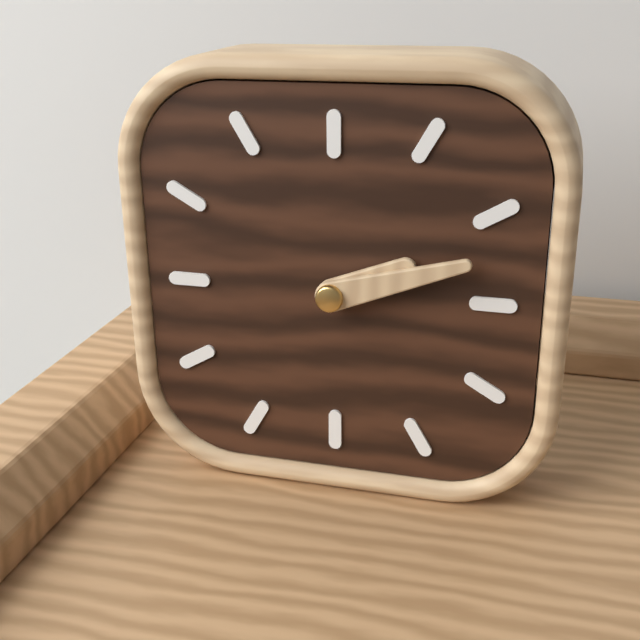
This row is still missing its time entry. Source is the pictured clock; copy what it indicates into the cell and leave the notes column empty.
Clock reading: 2:12
